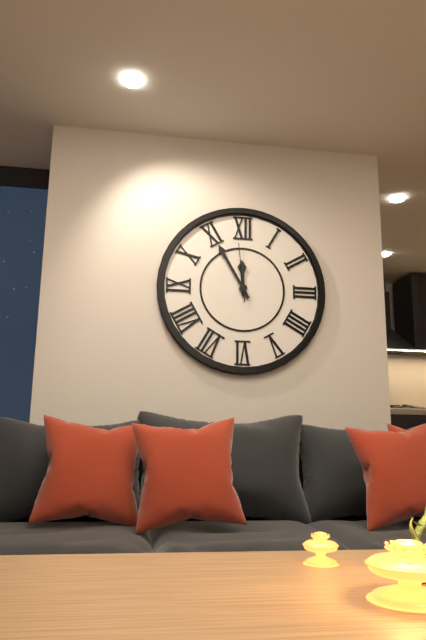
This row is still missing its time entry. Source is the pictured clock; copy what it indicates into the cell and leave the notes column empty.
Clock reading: 11:55:59
